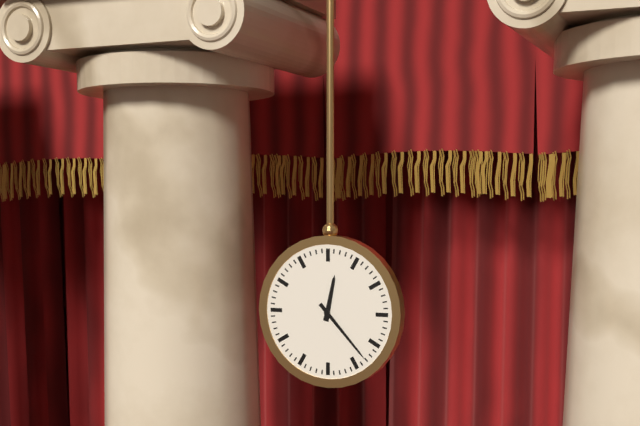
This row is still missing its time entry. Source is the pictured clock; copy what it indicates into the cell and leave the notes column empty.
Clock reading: 12:23
